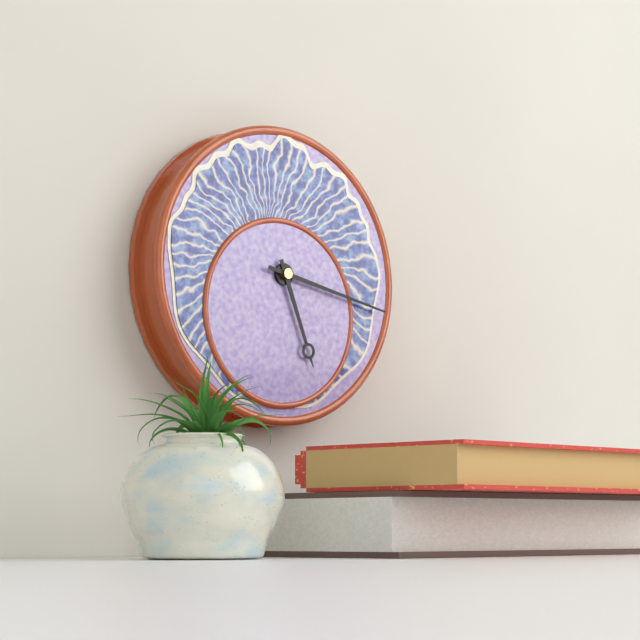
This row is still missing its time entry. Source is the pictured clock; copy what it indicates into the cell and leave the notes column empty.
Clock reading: 5:17
